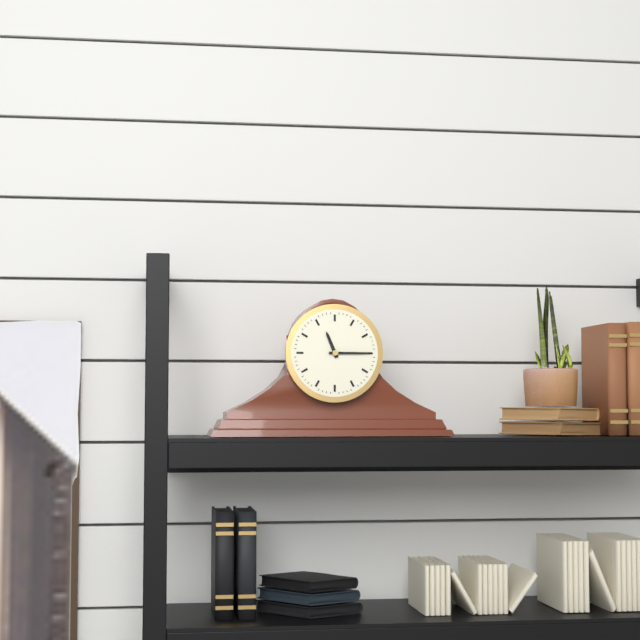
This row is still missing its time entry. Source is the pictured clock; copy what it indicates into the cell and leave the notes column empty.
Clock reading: 11:15
